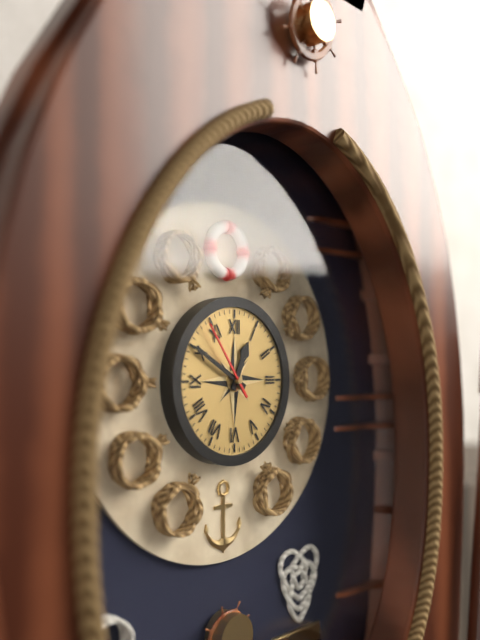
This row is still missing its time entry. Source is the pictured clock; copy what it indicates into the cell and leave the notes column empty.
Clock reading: 12:50:54
